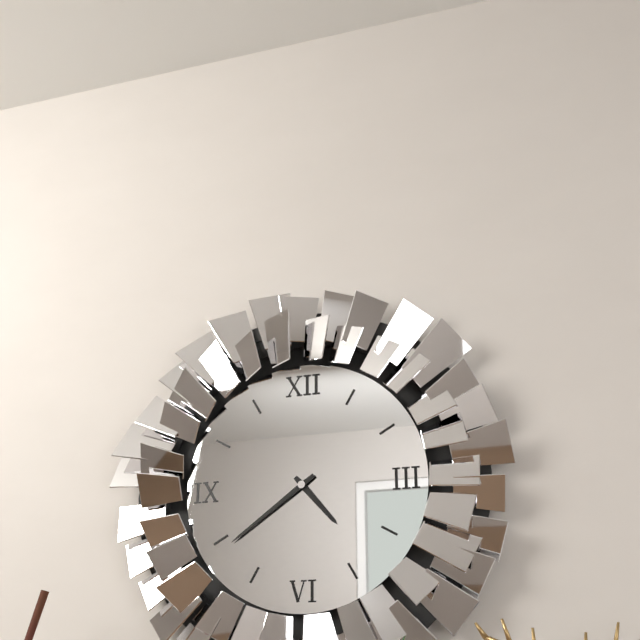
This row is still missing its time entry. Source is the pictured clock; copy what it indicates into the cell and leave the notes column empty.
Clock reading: 4:39
